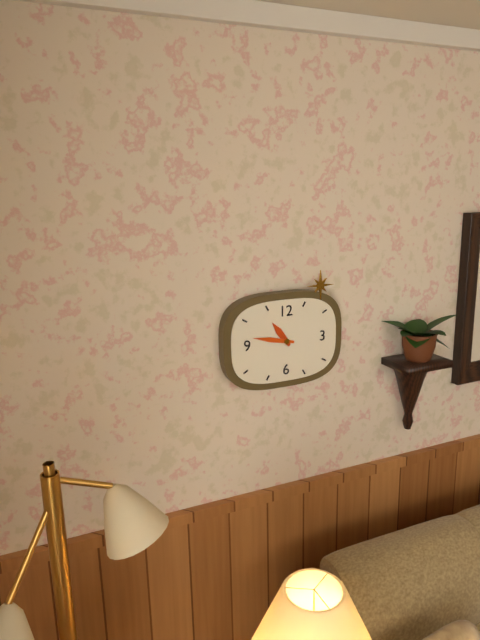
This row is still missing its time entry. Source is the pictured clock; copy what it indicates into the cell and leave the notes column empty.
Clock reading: 10:47
